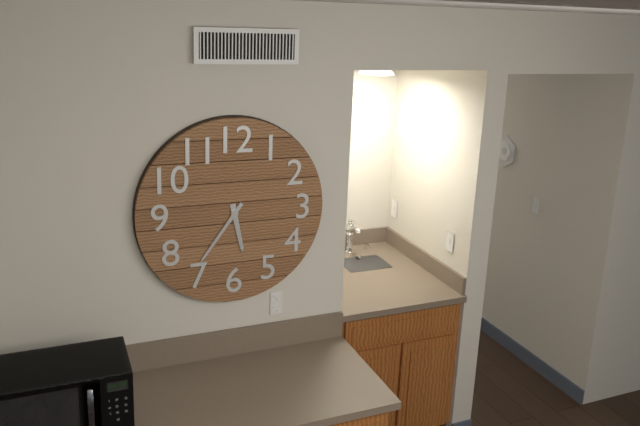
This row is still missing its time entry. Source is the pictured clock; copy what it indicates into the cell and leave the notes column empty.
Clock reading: 5:36
